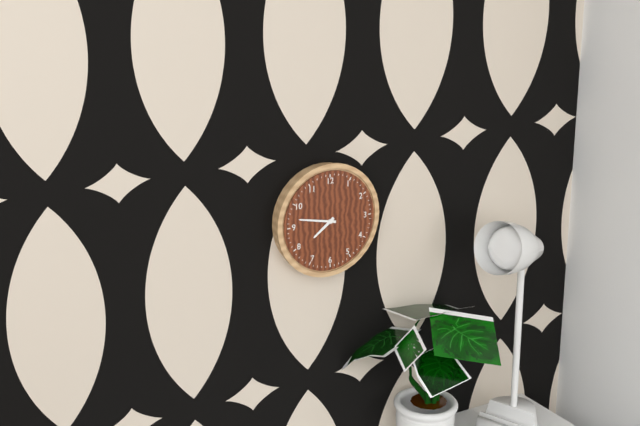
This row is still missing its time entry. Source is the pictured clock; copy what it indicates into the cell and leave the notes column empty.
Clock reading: 7:47
